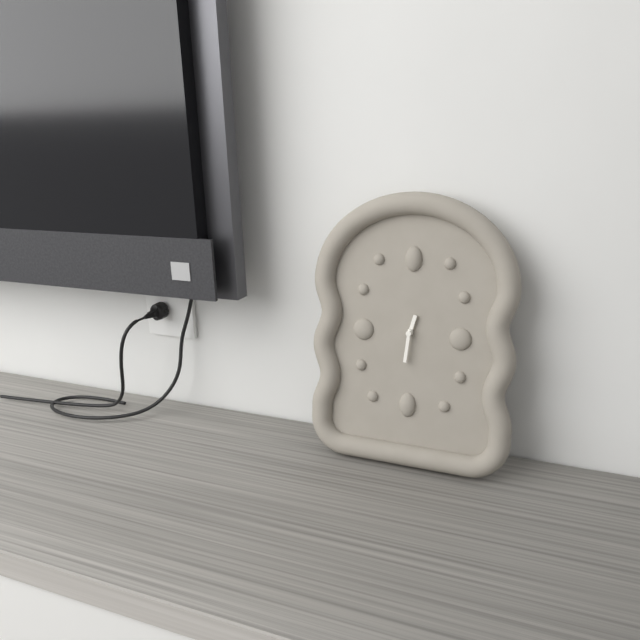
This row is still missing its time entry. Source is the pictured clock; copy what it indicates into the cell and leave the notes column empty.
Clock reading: 12:31
